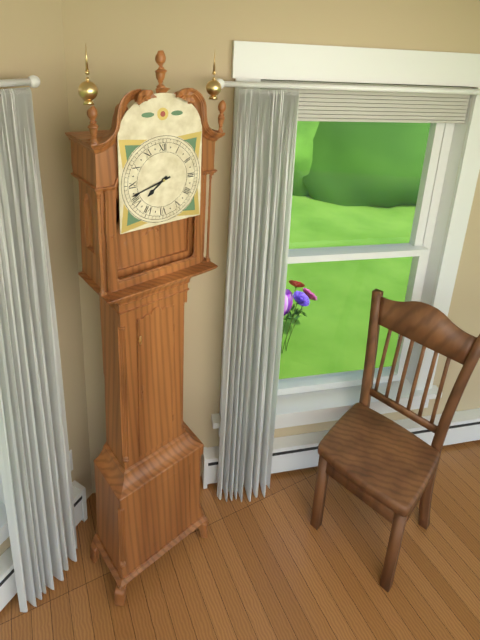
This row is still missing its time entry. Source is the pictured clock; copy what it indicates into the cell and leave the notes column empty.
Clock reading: 7:42
